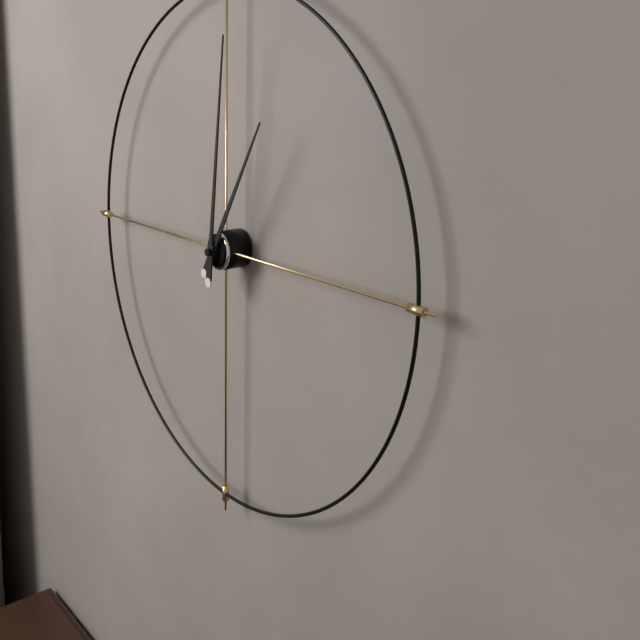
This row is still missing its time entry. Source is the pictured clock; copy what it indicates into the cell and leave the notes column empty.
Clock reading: 1:01
